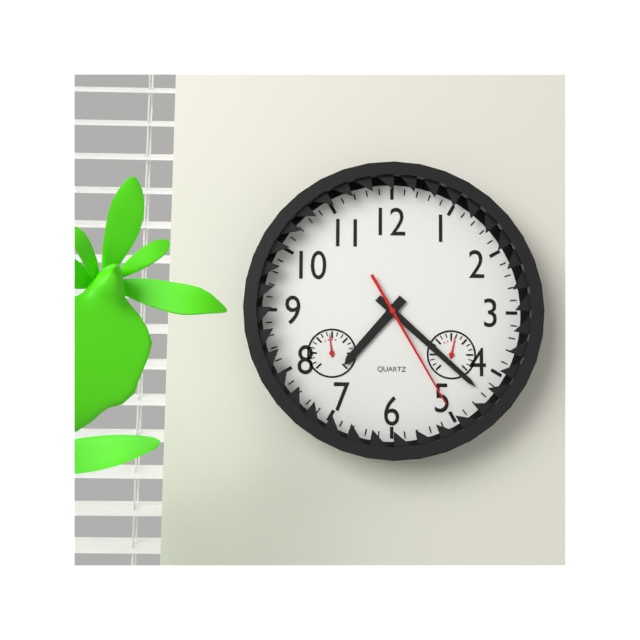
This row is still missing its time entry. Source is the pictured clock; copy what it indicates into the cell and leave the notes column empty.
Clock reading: 7:22:25
